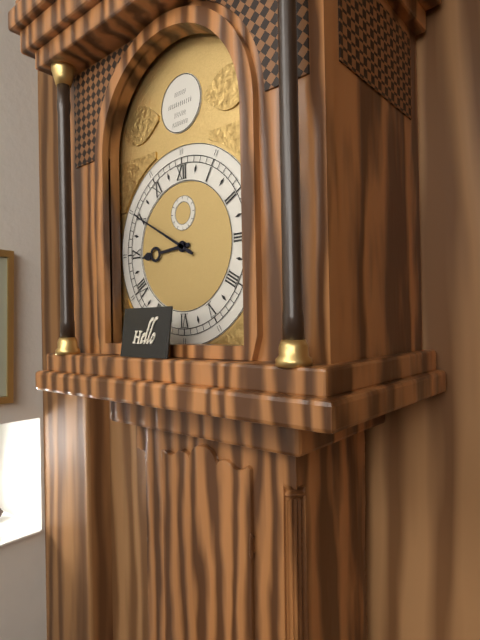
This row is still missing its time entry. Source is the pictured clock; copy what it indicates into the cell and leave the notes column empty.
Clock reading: 8:50
